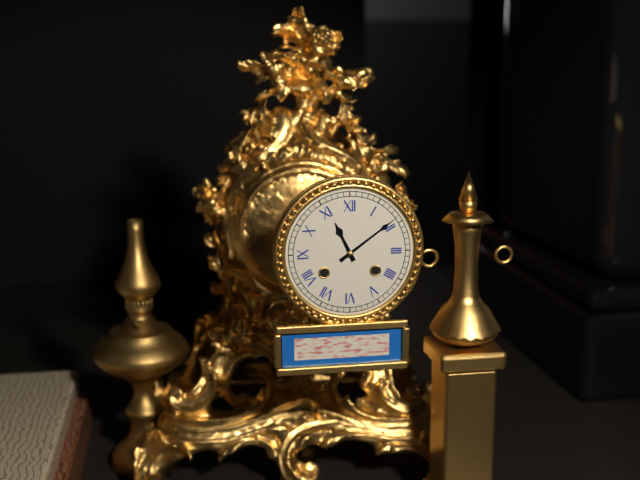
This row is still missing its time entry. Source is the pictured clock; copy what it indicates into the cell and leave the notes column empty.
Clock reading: 11:09
